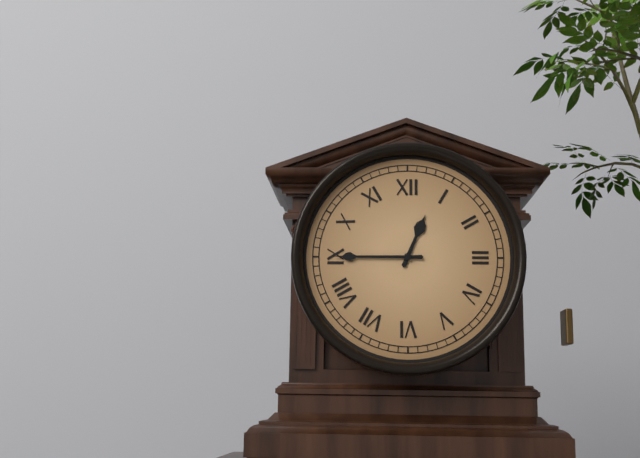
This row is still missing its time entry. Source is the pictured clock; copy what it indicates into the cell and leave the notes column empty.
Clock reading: 12:45
